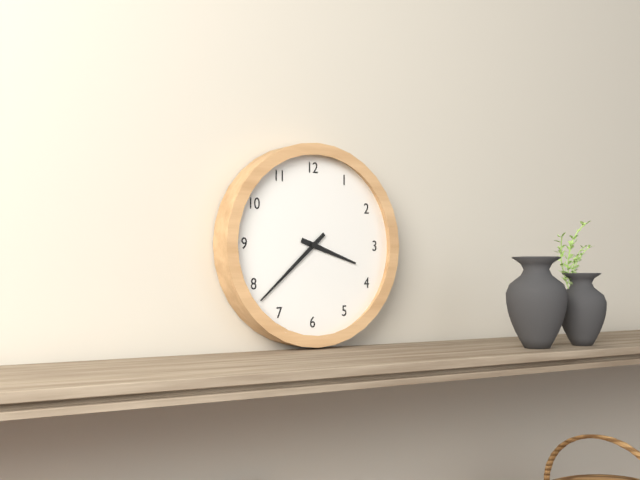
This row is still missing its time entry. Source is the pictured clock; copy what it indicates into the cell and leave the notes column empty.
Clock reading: 3:38
